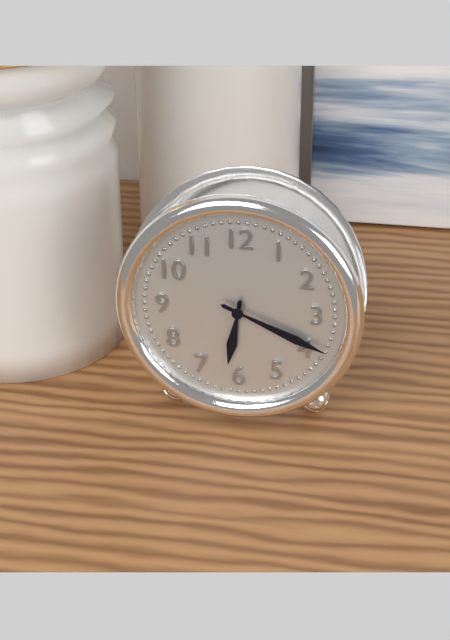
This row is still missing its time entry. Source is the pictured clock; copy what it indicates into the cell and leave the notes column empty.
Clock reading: 6:19
